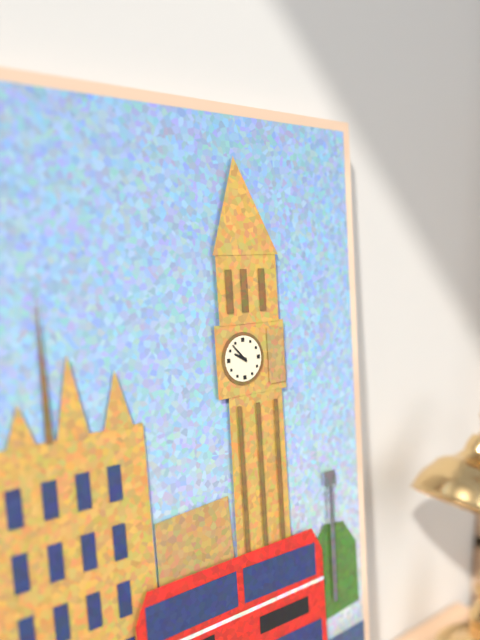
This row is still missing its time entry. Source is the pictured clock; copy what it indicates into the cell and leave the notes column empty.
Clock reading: 9:53
